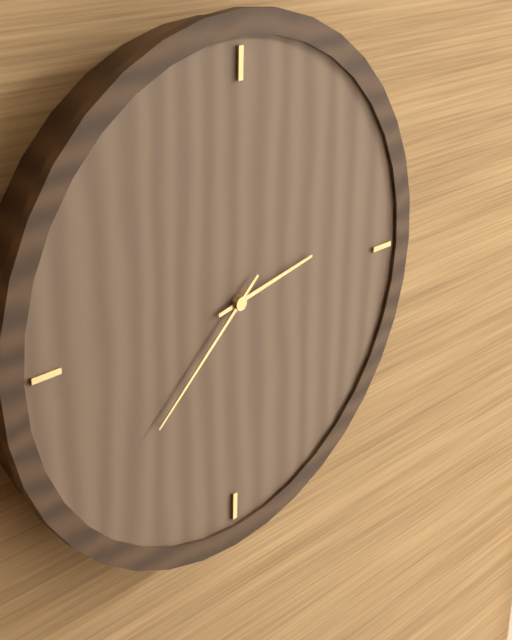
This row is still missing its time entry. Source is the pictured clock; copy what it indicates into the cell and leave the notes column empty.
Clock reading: 2:38
